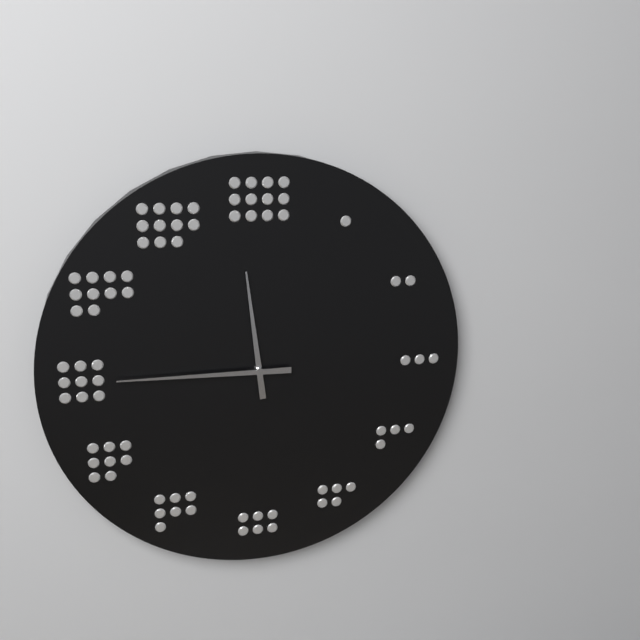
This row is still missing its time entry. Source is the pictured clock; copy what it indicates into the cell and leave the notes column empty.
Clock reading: 11:45
